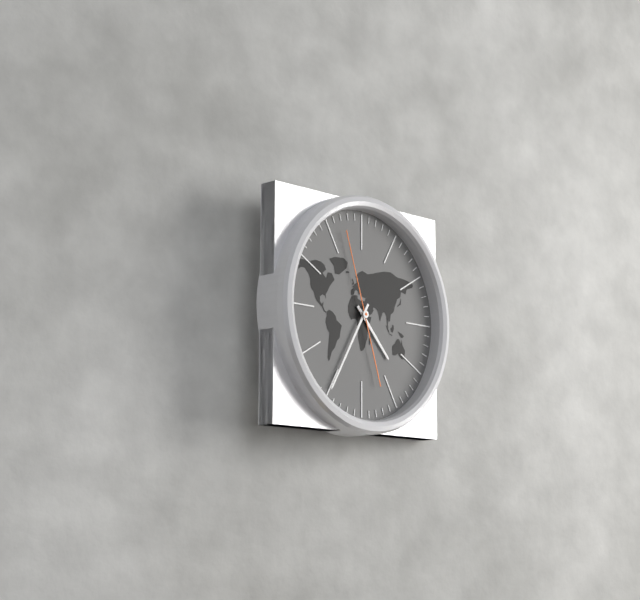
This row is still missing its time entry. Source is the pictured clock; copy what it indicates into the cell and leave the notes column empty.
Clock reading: 4:35:57
